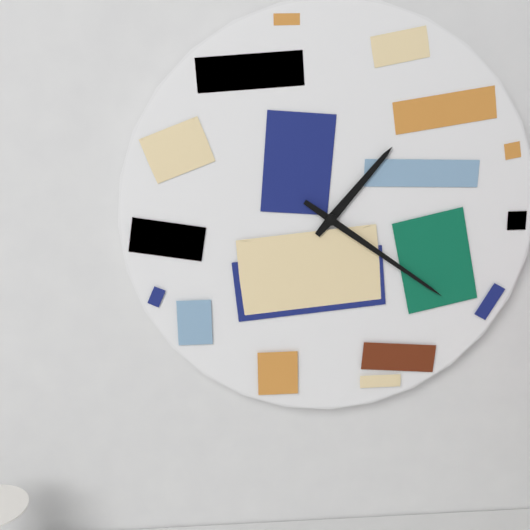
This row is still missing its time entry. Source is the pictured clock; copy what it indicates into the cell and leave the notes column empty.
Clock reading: 1:21
